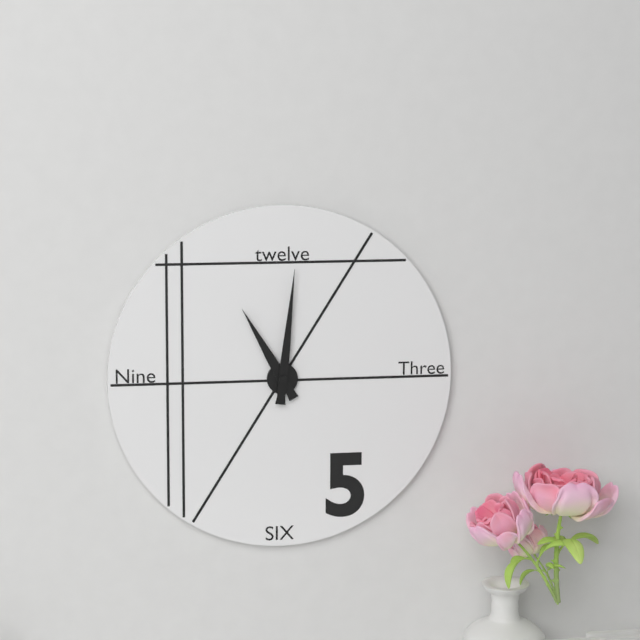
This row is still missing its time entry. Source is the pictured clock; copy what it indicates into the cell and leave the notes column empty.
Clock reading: 11:01
